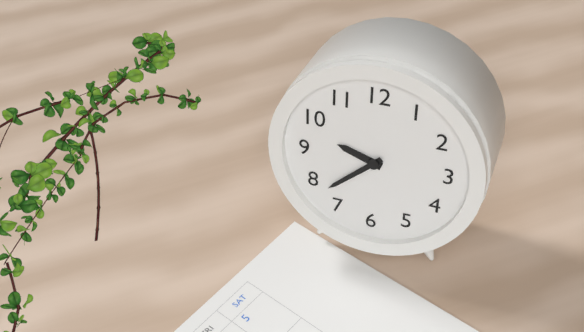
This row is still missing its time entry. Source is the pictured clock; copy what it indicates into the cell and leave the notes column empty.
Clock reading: 9:38
